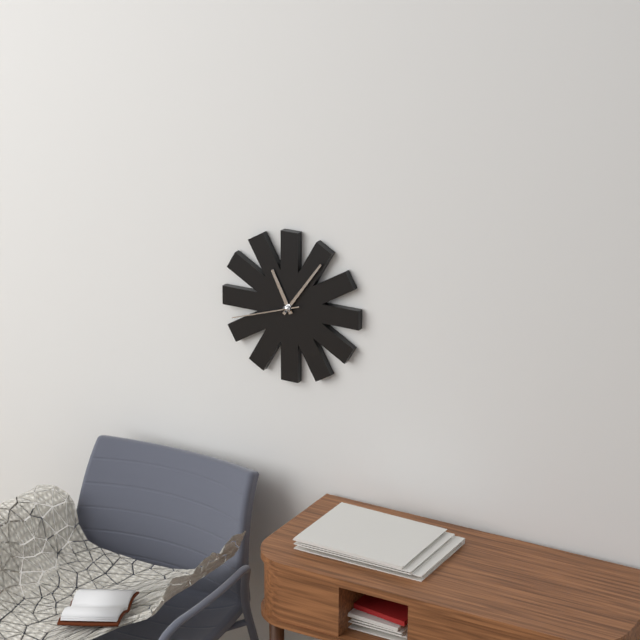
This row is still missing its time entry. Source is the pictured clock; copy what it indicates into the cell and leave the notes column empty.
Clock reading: 11:06:42
